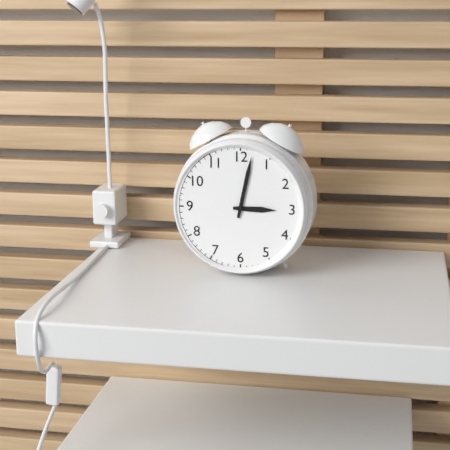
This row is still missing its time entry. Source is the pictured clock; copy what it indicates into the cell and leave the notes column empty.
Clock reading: 3:02
